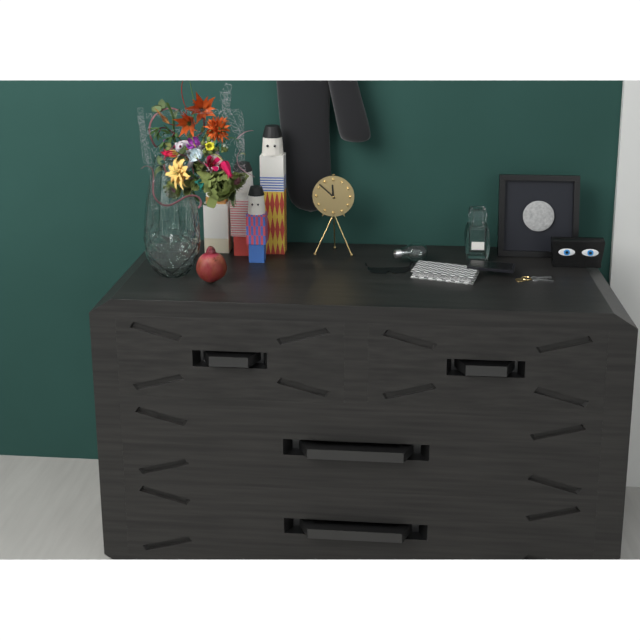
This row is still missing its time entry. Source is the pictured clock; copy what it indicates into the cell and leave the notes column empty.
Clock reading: 11:52
